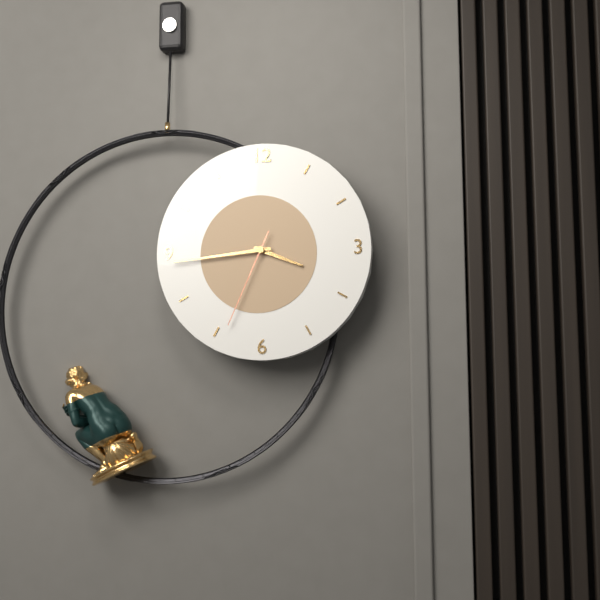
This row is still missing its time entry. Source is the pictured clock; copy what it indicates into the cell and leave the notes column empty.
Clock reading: 3:44:34
